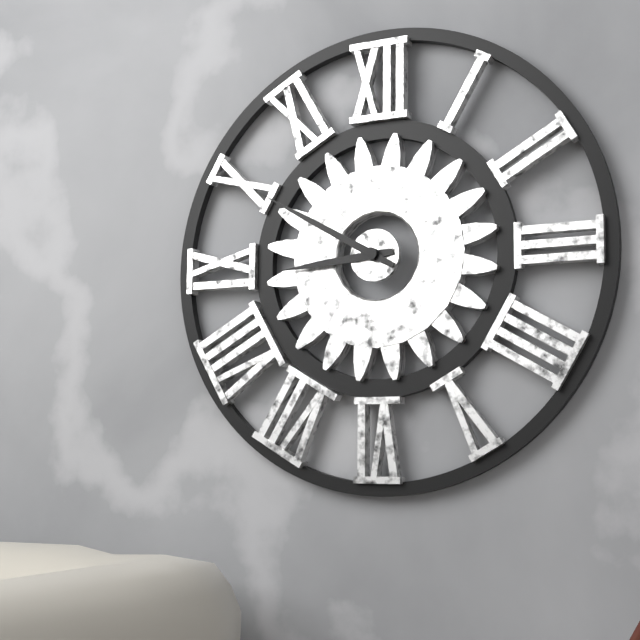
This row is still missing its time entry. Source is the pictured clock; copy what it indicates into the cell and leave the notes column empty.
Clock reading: 8:50
